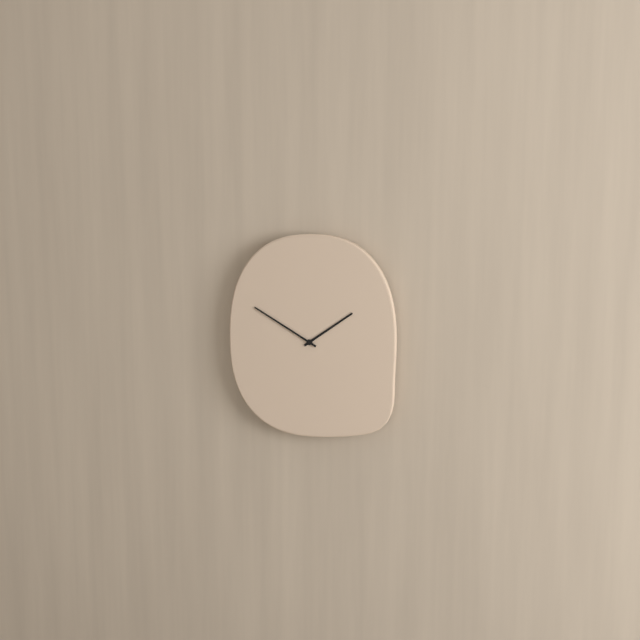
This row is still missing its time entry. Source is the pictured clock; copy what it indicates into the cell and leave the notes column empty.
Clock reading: 1:50
